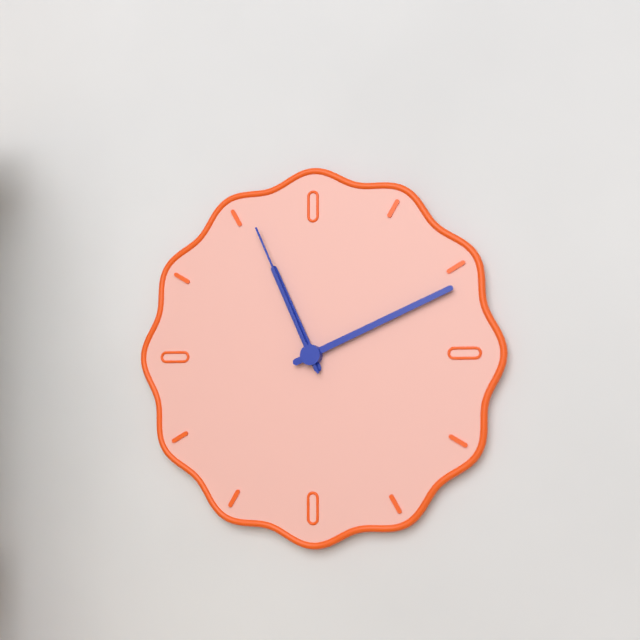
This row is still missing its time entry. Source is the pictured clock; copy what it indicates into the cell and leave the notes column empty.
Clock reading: 11:11:56
